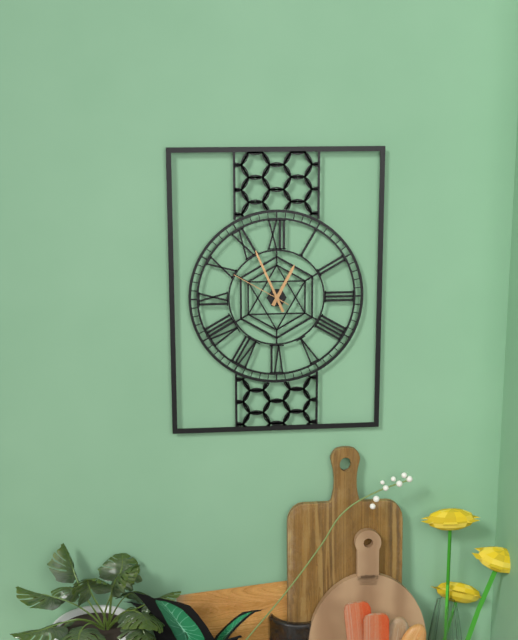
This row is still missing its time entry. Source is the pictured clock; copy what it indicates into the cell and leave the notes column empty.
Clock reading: 12:56:50
